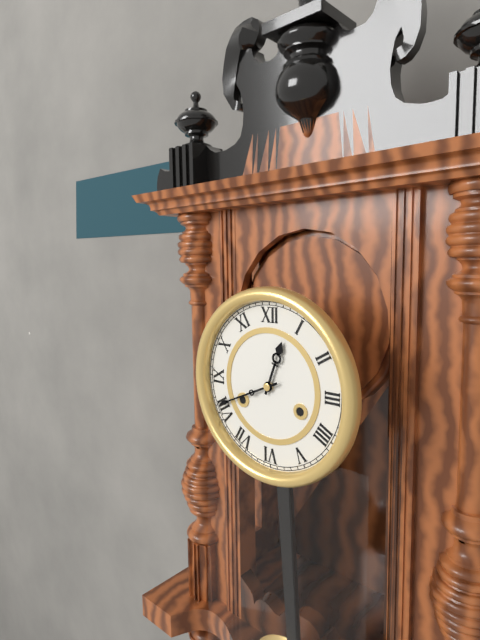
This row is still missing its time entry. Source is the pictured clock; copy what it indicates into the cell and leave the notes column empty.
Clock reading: 12:41
